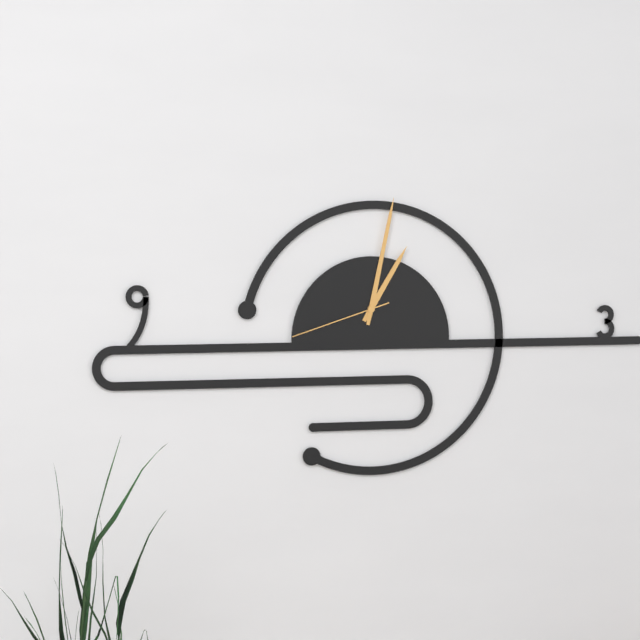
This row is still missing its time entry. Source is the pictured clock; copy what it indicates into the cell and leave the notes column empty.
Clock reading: 1:02:42
